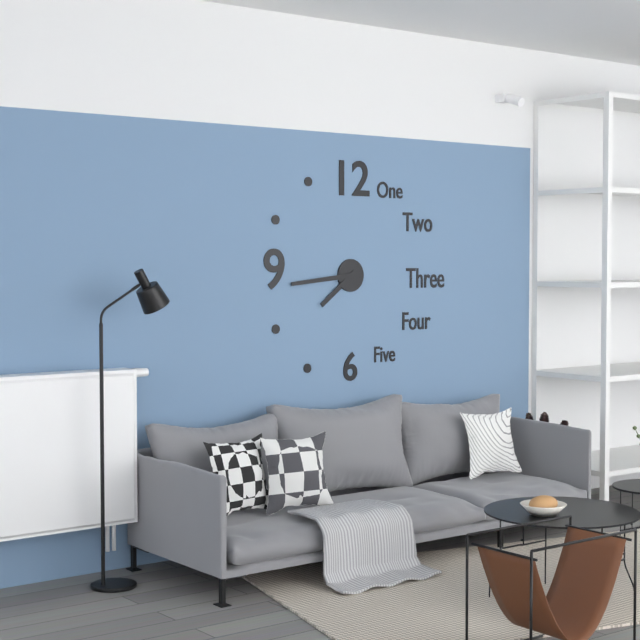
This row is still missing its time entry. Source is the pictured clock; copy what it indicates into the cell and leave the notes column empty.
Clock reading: 7:44
